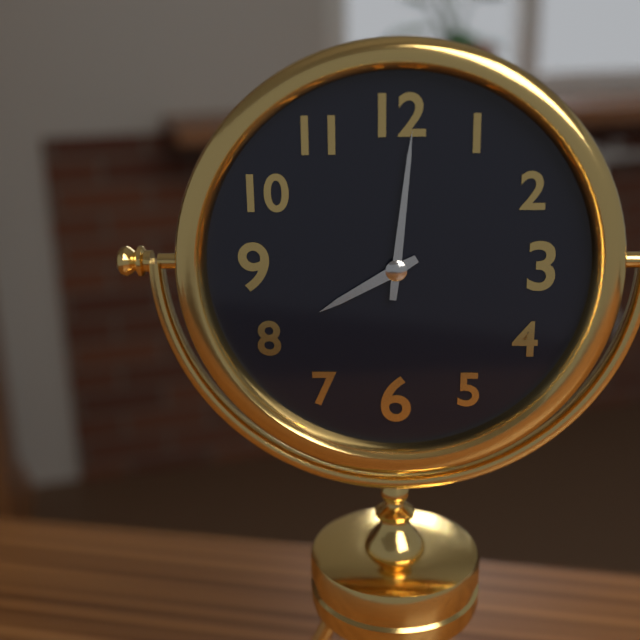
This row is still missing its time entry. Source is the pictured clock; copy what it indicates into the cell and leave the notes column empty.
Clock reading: 8:01
